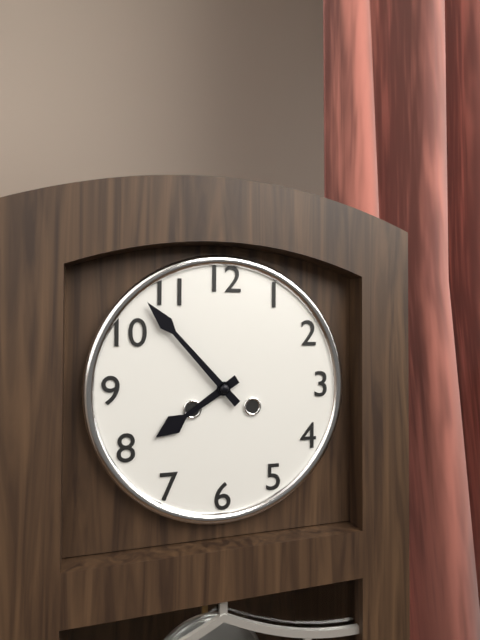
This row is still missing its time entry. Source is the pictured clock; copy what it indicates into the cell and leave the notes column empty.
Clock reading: 7:53
